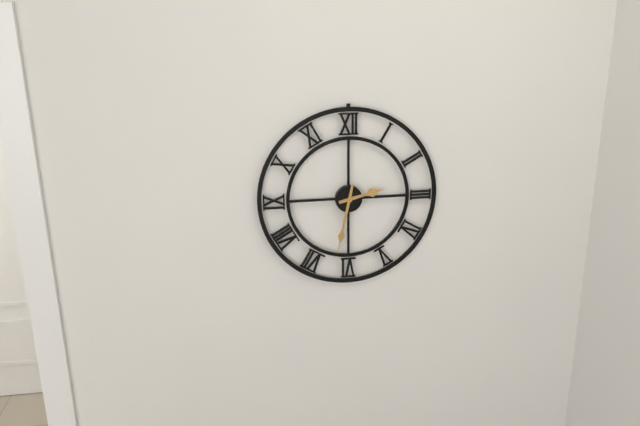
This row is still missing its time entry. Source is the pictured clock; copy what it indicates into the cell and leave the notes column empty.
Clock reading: 2:32
